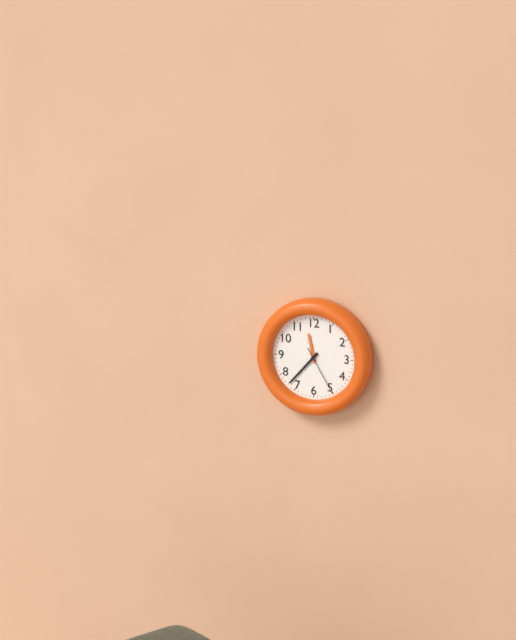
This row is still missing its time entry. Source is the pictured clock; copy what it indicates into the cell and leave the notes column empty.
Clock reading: 11:37:25
